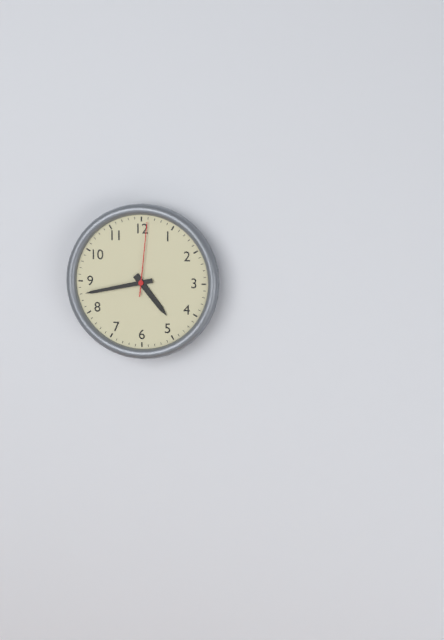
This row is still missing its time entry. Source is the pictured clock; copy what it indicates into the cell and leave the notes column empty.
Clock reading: 4:43:01
